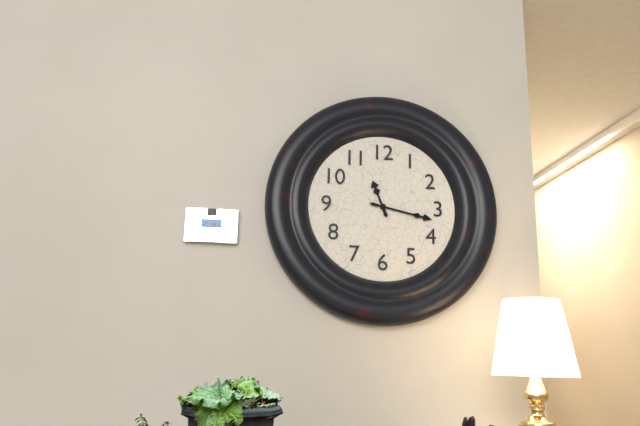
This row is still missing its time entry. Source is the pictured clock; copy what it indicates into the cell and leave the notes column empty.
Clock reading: 11:17
